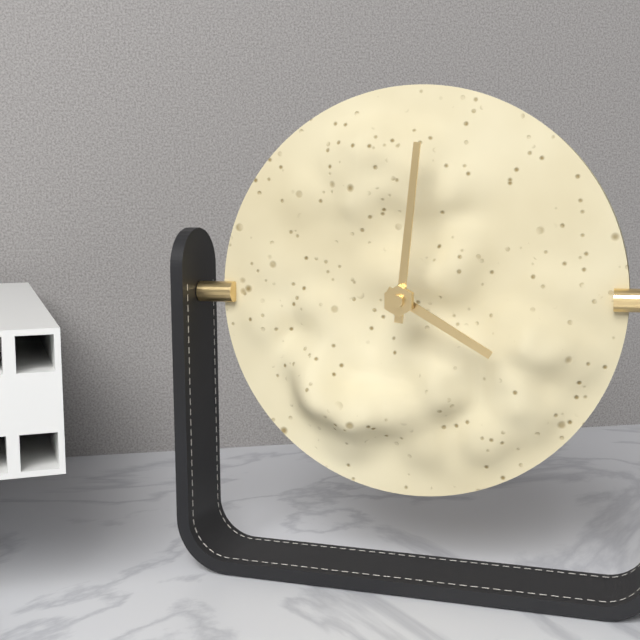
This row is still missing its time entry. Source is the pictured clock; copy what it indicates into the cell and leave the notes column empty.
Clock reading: 4:01
